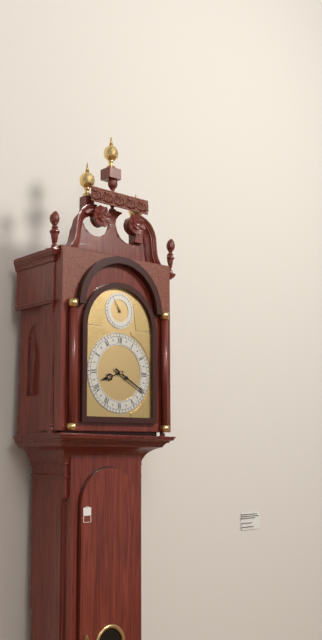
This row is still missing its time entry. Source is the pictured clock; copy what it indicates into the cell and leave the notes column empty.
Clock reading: 8:20
